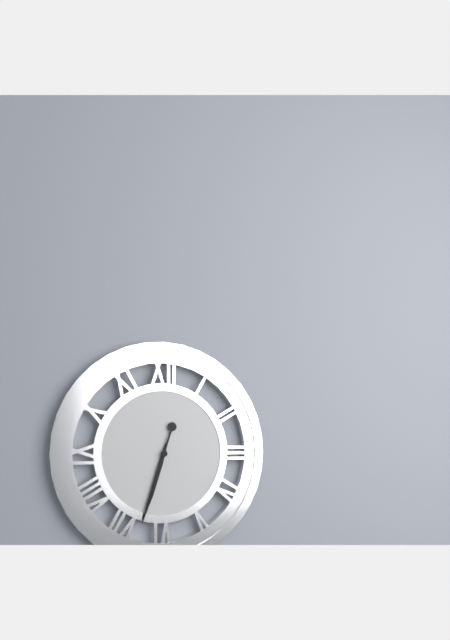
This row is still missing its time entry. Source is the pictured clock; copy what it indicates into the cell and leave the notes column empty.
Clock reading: 6:33
